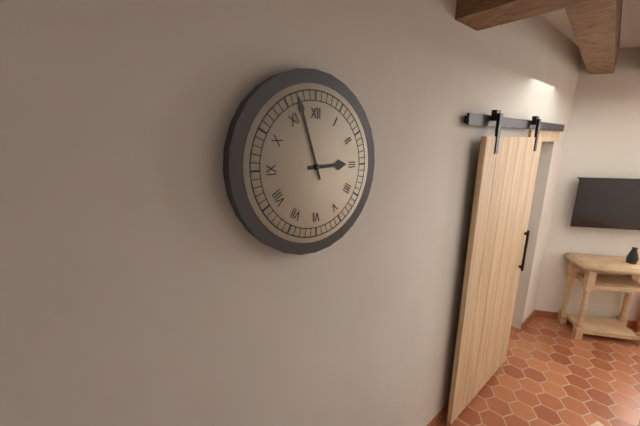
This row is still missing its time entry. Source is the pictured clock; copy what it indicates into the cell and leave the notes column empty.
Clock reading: 2:57
